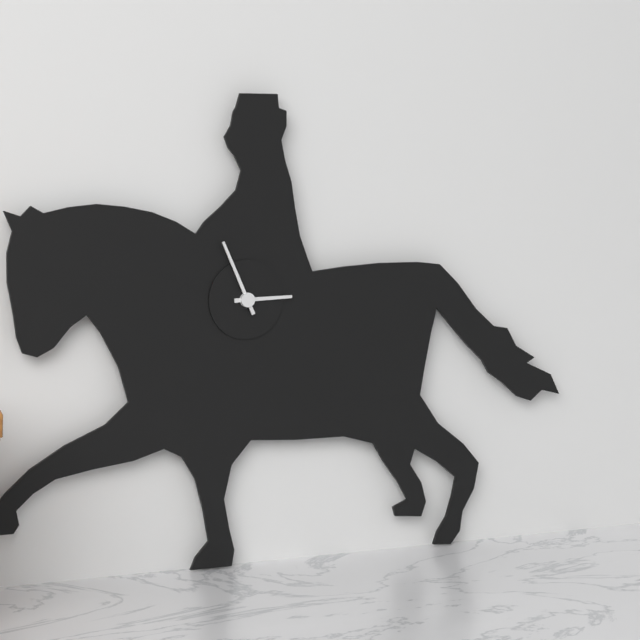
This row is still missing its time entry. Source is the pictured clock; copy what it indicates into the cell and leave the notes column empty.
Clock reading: 2:56
